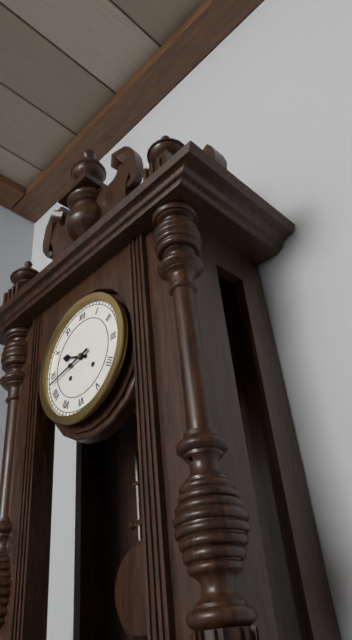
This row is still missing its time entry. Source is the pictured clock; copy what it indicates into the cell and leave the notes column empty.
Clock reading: 9:43
